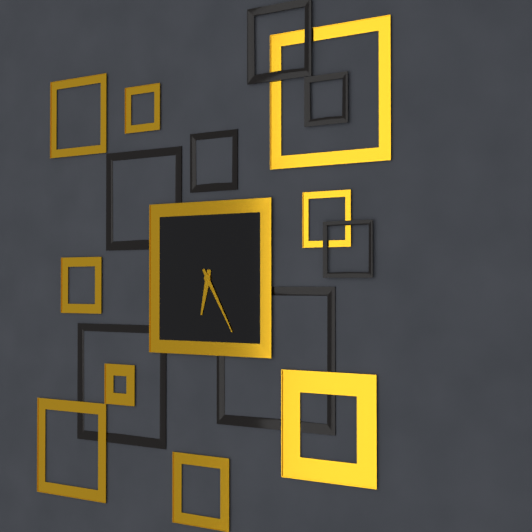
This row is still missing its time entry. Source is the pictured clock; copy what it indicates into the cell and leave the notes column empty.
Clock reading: 6:25
